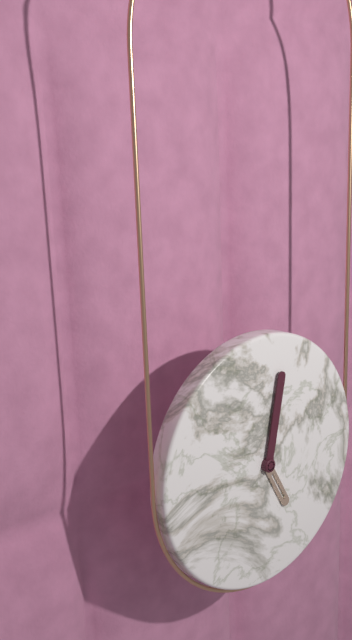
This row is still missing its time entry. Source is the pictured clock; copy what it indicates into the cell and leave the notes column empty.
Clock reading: 5:02
